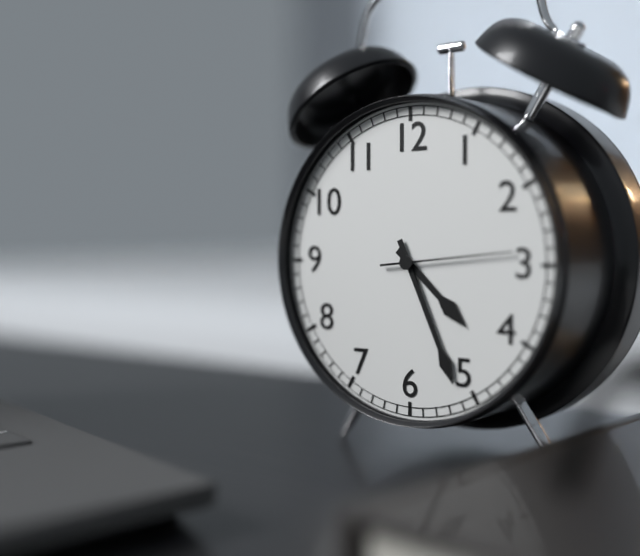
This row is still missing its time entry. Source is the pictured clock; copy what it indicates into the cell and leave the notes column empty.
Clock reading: 4:26:14
